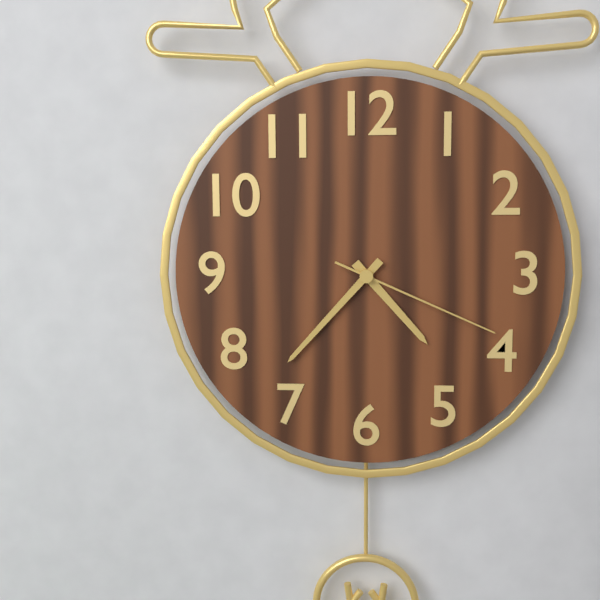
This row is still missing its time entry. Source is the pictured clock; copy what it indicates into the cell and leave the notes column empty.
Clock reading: 4:37:19
